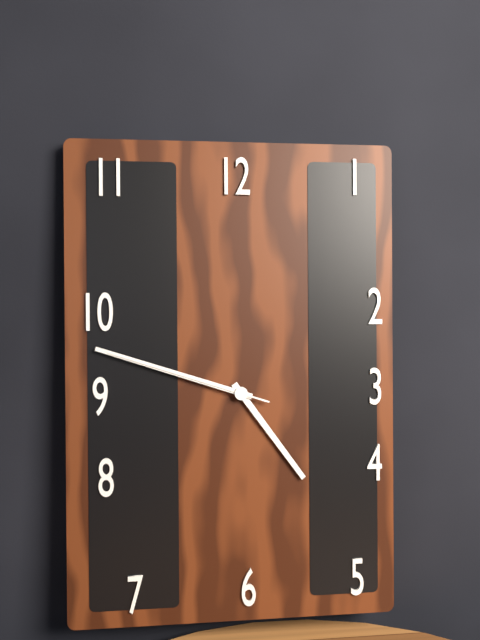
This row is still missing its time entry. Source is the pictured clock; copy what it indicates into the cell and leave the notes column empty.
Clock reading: 4:48:48
